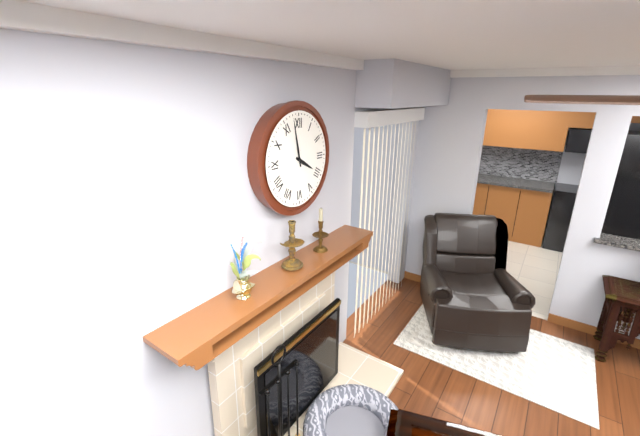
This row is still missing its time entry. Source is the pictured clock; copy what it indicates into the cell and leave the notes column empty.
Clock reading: 3:58
